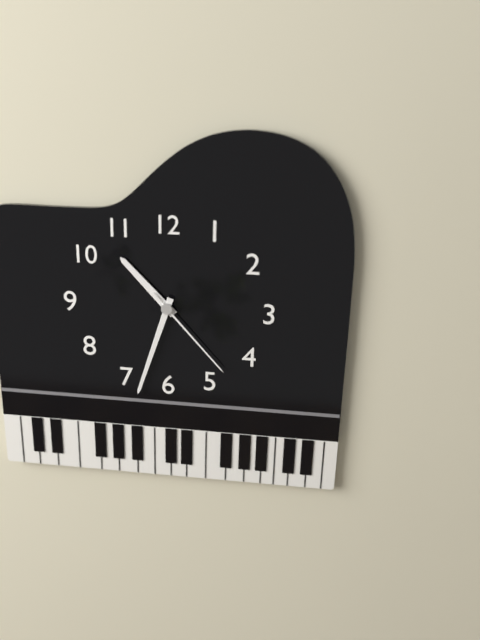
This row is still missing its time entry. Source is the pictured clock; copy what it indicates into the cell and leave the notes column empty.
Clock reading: 10:33:23
